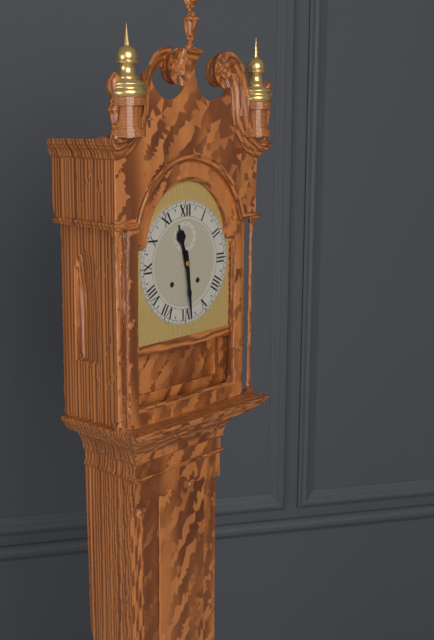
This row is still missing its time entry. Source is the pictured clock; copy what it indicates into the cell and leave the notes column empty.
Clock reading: 11:29
